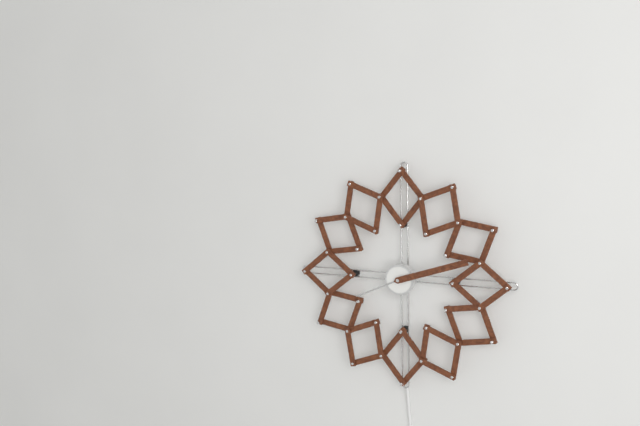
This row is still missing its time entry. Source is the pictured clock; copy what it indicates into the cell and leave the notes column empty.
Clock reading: 8:12
